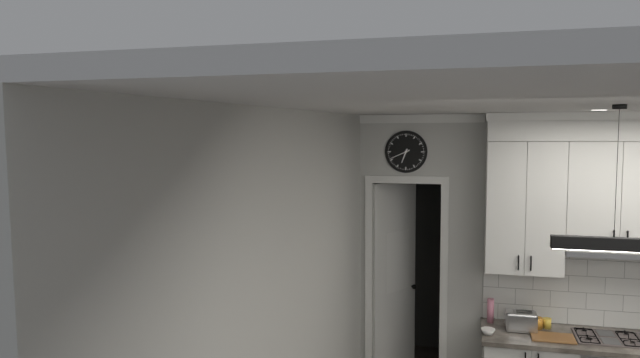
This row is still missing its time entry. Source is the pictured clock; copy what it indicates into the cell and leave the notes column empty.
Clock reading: 6:41
